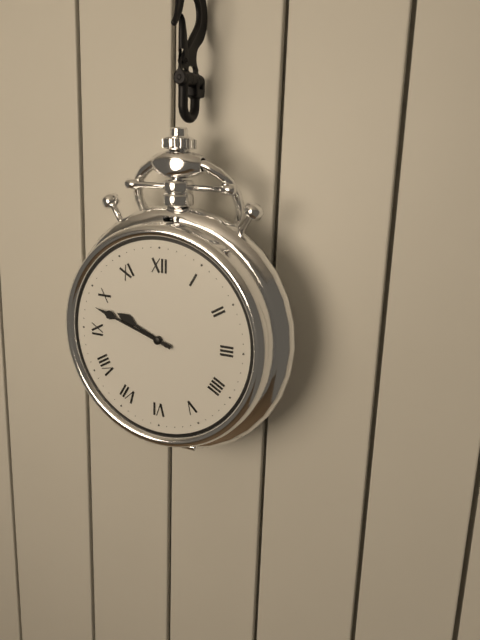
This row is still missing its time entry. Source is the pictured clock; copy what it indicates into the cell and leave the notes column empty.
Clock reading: 9:48
